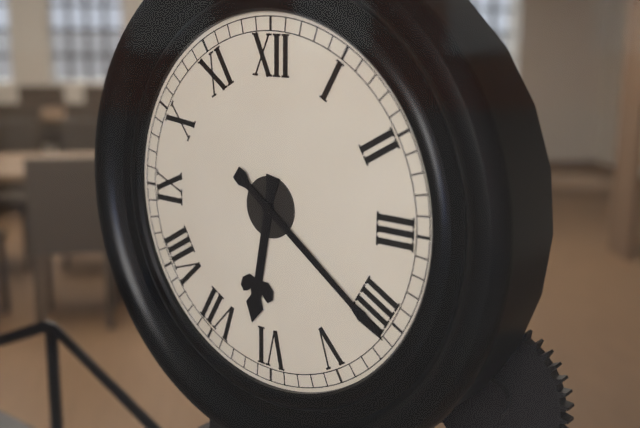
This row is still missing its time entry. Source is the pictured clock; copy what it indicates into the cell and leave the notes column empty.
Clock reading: 6:21
